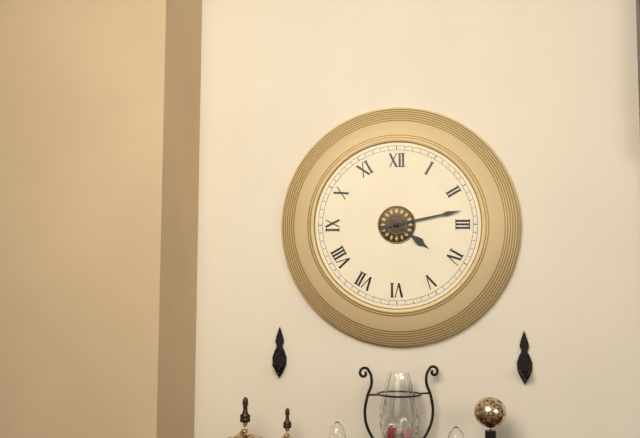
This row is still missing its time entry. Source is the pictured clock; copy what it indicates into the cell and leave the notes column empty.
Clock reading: 4:13
